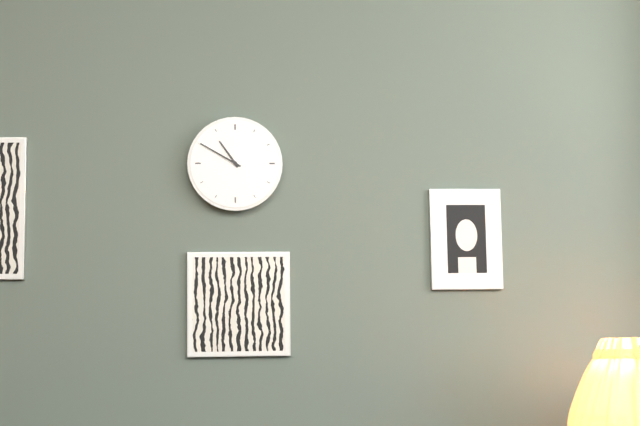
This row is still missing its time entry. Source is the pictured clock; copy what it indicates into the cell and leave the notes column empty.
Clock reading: 10:50
